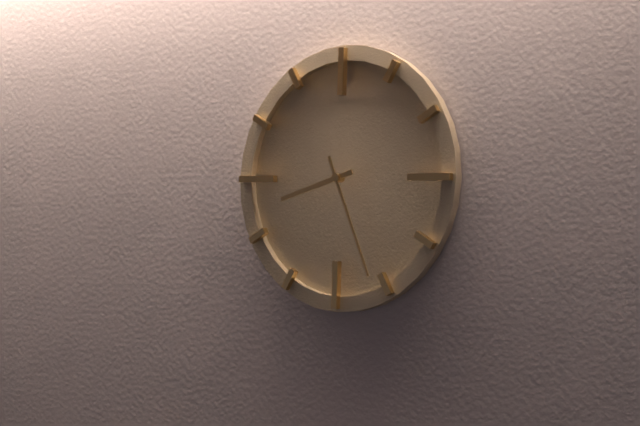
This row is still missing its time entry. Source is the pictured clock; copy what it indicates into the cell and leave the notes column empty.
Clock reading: 8:26
